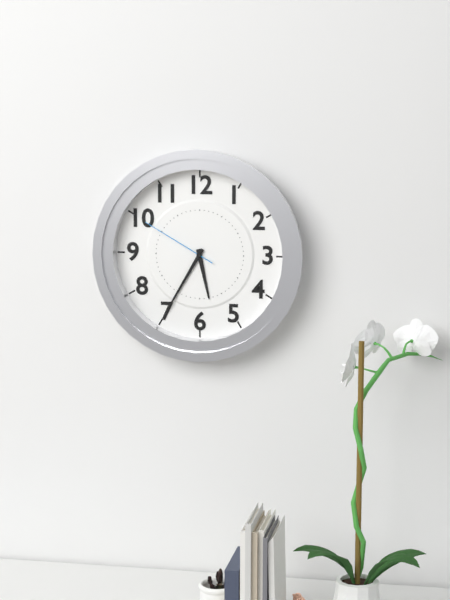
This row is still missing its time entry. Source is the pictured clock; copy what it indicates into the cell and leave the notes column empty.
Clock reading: 5:35:50
